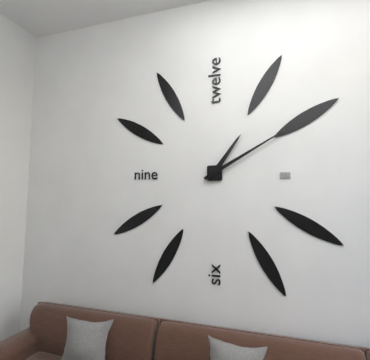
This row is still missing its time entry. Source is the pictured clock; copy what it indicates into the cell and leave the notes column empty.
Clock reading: 1:10
